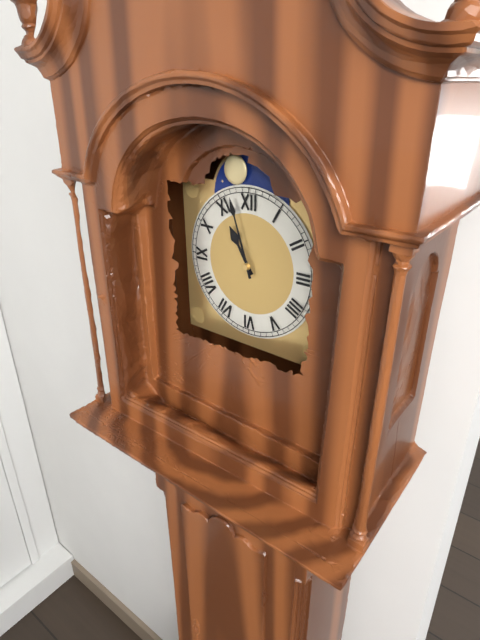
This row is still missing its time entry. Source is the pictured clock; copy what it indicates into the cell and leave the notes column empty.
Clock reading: 10:57
